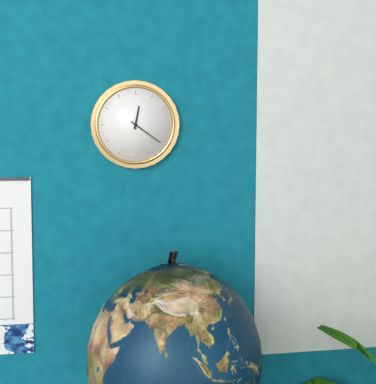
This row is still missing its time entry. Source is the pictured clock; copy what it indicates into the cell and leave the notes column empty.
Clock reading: 12:21
